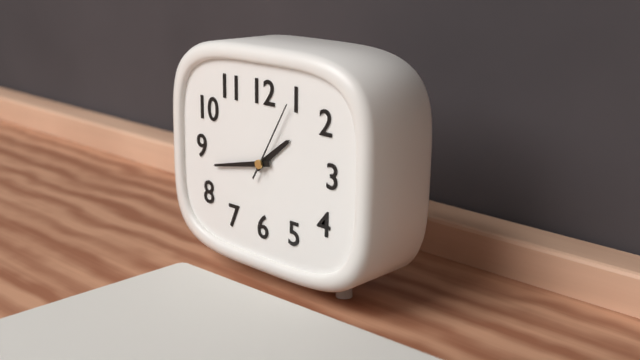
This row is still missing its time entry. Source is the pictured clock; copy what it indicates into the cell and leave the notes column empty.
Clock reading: 1:43:05
